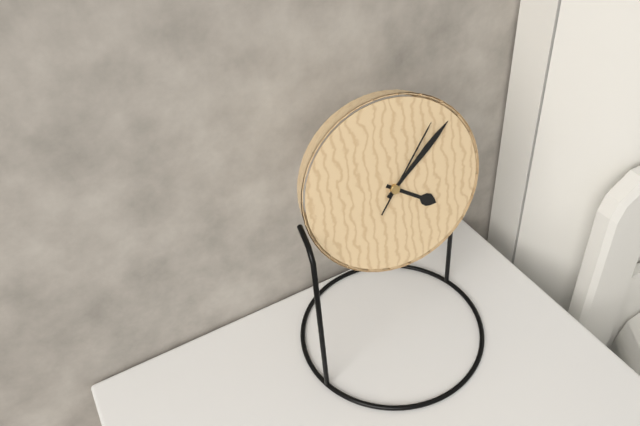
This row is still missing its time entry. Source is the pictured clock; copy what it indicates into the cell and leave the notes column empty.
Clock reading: 4:08:06
